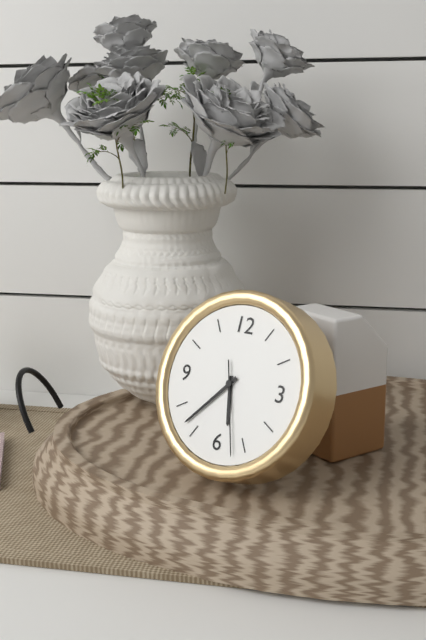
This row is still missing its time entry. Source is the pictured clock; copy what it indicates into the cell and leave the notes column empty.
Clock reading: 5:37:27
